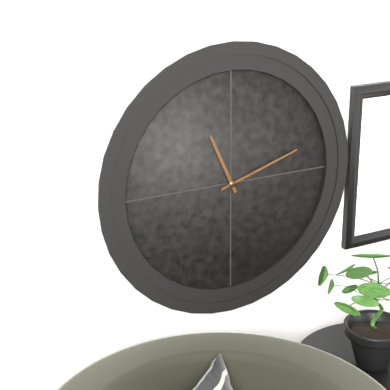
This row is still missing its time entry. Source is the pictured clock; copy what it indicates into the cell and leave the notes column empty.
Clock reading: 11:12
